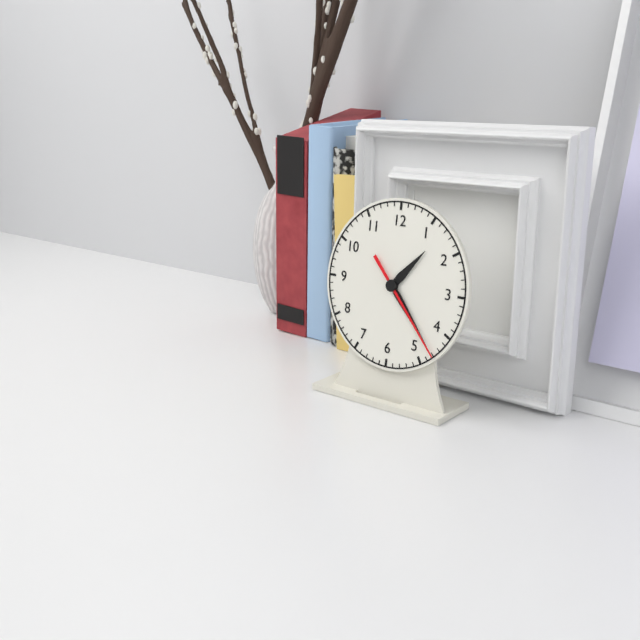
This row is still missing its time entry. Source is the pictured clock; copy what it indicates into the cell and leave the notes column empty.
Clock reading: 1:23:23
